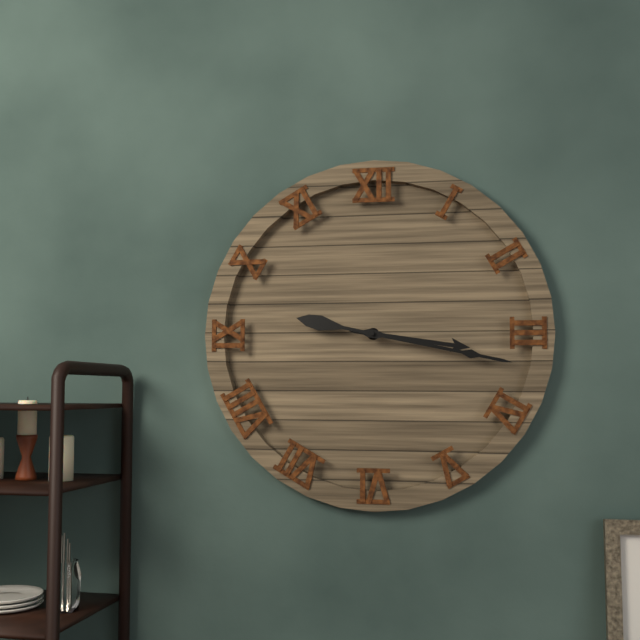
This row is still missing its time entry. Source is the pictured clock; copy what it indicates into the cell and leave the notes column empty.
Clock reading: 3:17
